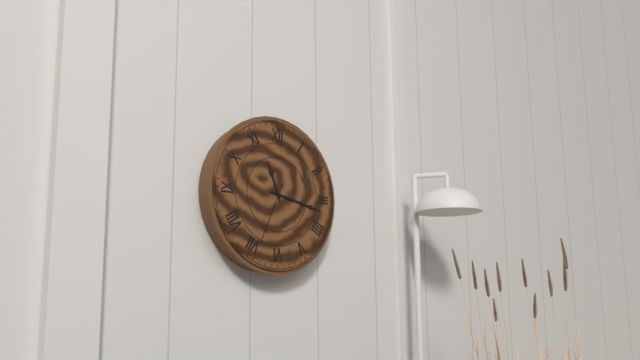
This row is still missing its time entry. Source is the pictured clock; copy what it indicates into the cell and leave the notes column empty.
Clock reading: 11:17:34
